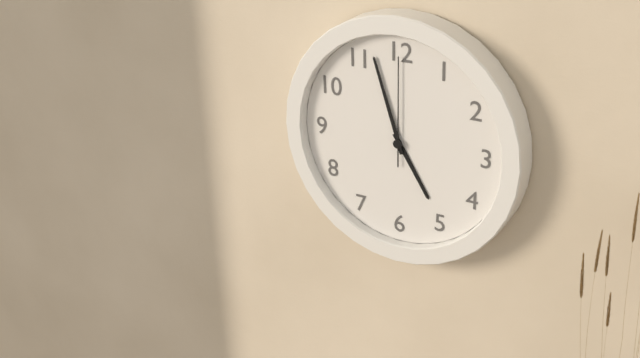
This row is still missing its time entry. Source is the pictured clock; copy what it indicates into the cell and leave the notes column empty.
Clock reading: 4:57:00
